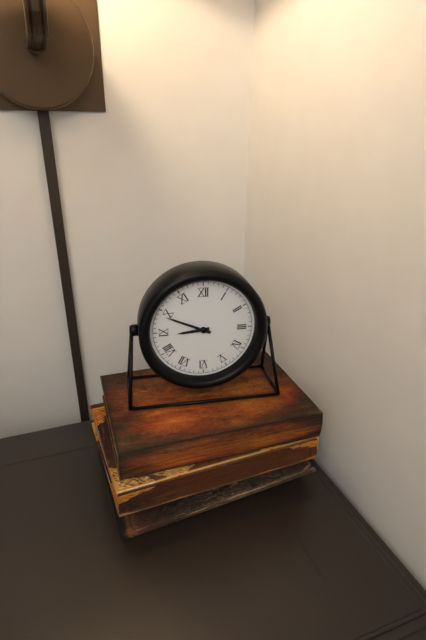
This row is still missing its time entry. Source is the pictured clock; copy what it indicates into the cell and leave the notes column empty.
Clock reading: 8:49
